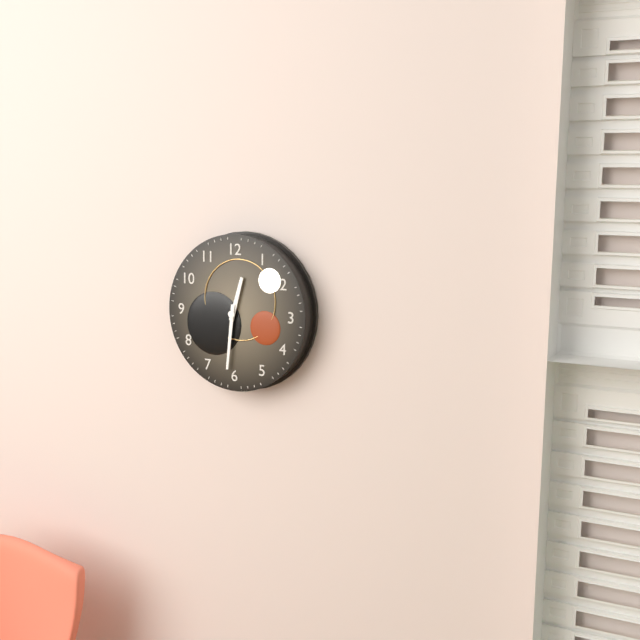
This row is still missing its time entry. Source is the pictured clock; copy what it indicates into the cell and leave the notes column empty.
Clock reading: 12:31
